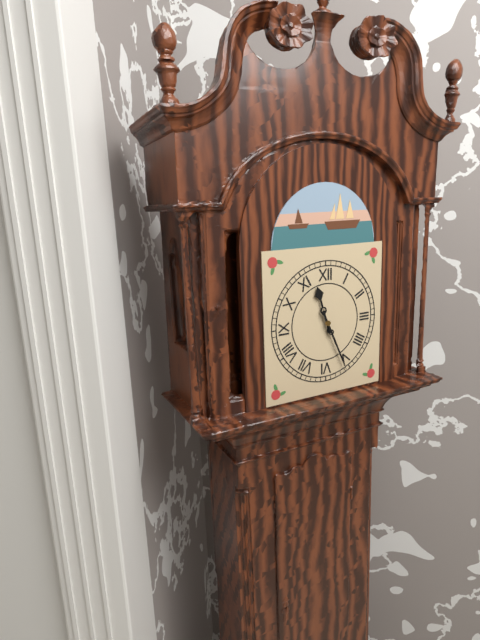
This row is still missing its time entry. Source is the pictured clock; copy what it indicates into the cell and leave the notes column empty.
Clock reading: 11:26
